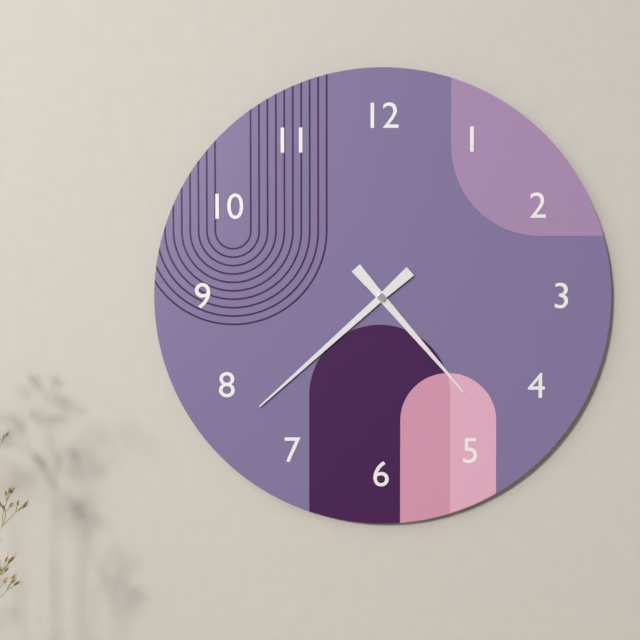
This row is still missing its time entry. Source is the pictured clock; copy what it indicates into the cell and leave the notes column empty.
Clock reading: 4:38
